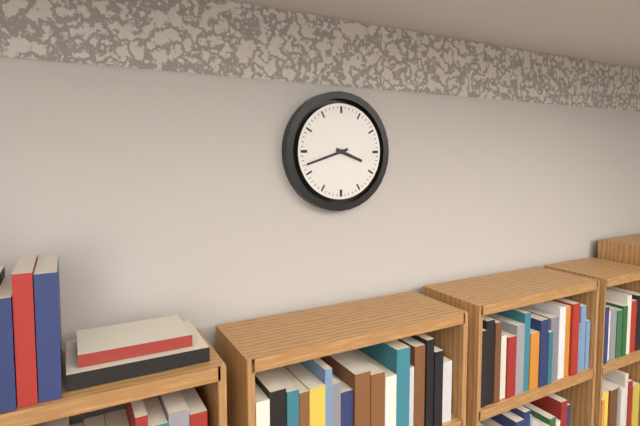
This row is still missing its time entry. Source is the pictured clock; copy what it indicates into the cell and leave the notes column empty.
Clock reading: 3:42
